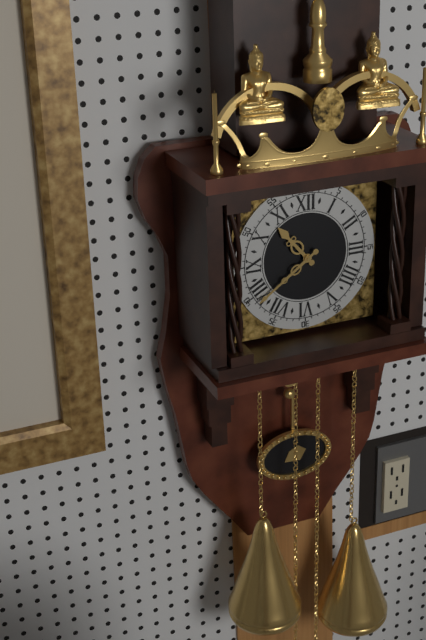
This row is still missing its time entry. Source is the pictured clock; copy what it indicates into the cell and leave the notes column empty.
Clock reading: 10:39
